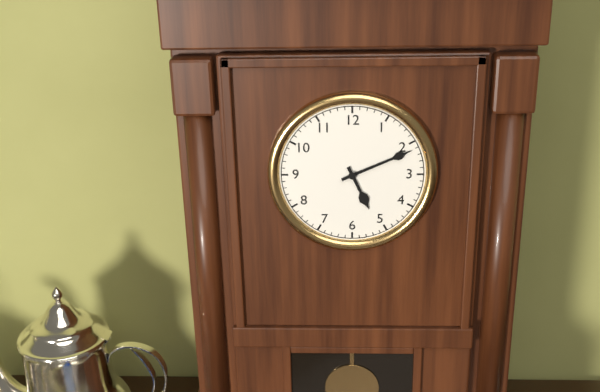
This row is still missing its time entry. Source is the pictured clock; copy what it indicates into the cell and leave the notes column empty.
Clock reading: 5:11
